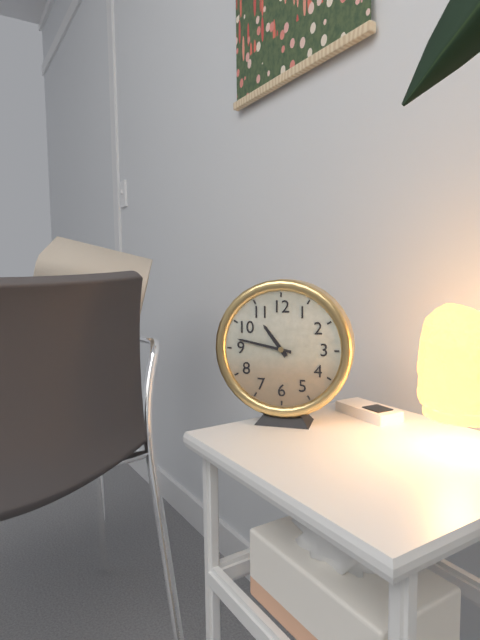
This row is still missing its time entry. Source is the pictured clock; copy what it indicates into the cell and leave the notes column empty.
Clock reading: 10:47
